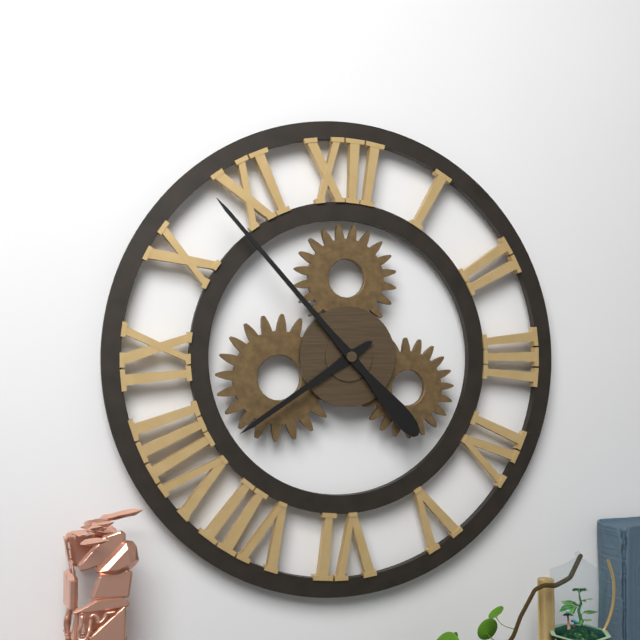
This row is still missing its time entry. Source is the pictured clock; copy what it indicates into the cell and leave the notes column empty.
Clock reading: 7:53
